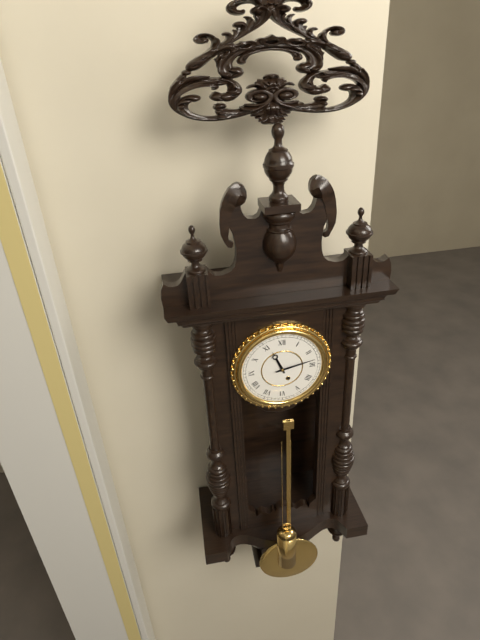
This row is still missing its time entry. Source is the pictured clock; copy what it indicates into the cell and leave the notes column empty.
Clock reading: 11:13
